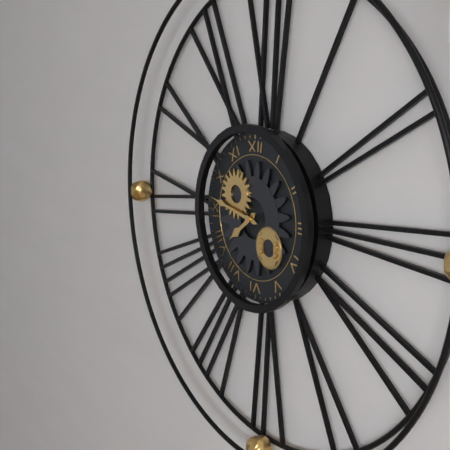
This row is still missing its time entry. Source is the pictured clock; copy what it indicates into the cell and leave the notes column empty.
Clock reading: 7:47
